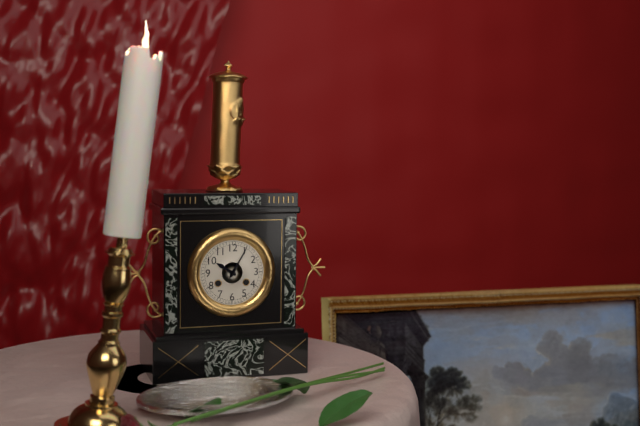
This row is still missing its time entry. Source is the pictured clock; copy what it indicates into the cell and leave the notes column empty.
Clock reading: 10:05
